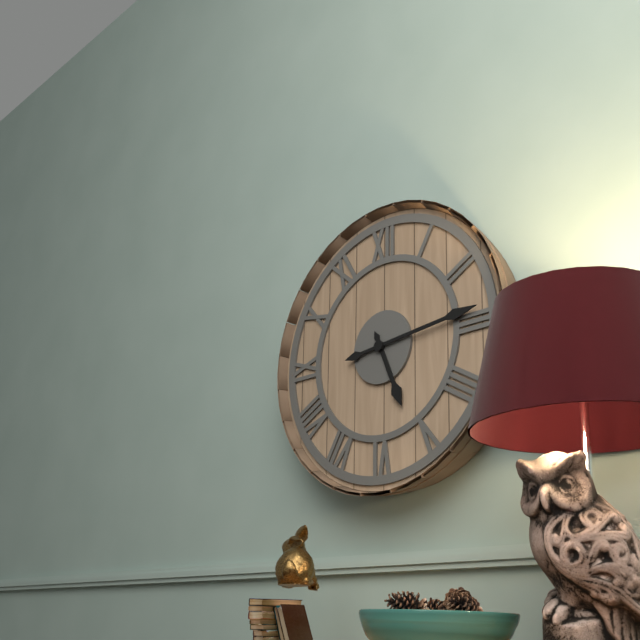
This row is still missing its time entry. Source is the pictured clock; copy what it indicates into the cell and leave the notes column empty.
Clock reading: 5:14
